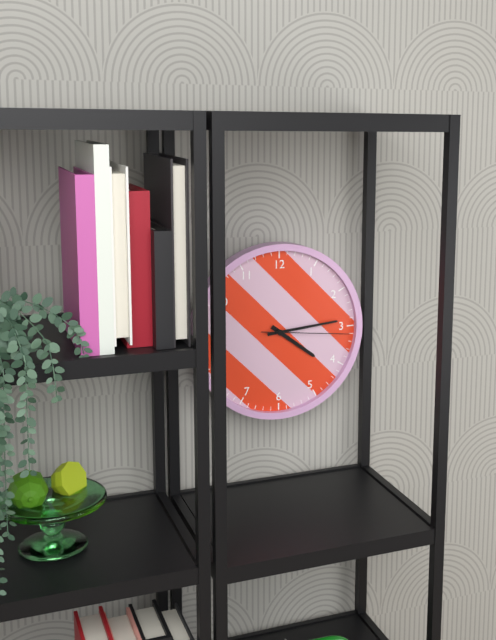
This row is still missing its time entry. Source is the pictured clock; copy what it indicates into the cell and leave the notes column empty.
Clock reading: 4:14:16
